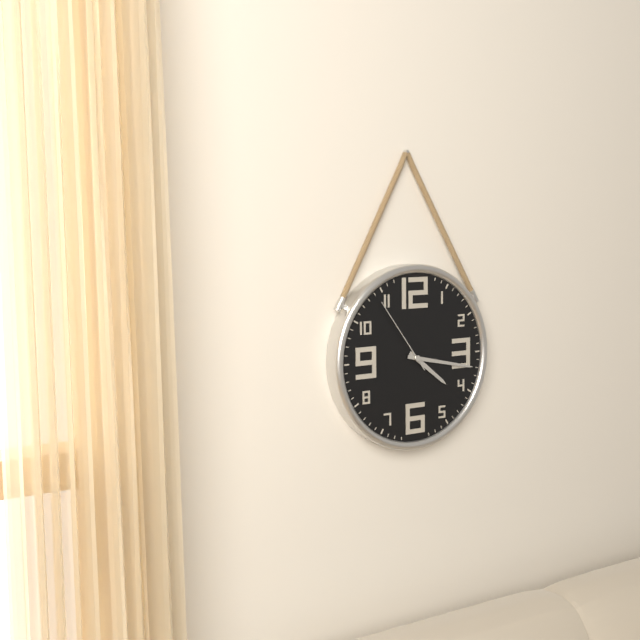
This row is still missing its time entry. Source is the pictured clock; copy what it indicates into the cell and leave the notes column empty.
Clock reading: 4:17:54
